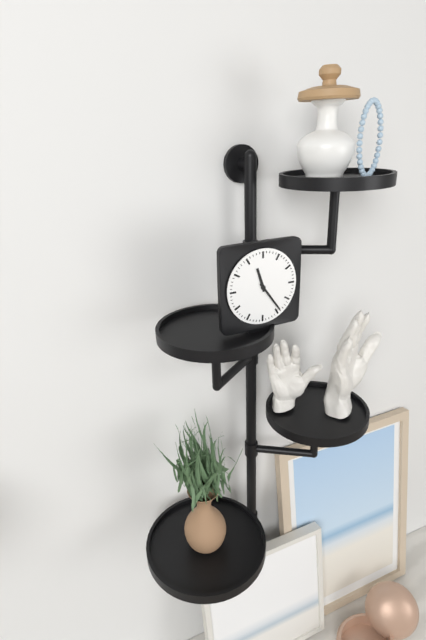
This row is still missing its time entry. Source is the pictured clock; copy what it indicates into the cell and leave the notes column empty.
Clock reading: 11:24
